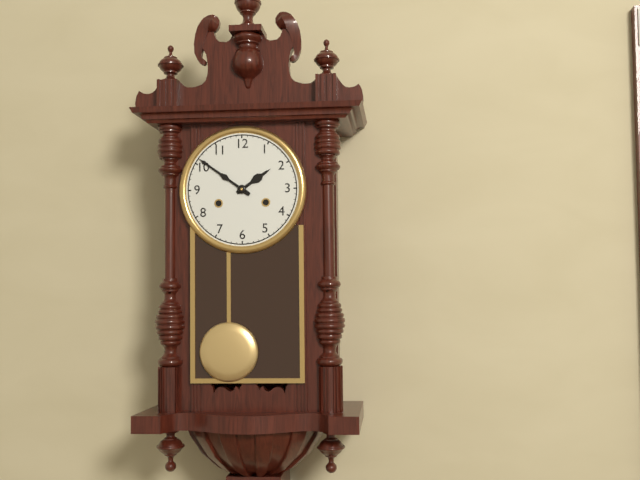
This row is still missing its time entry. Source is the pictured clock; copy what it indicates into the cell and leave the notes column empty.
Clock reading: 1:51
